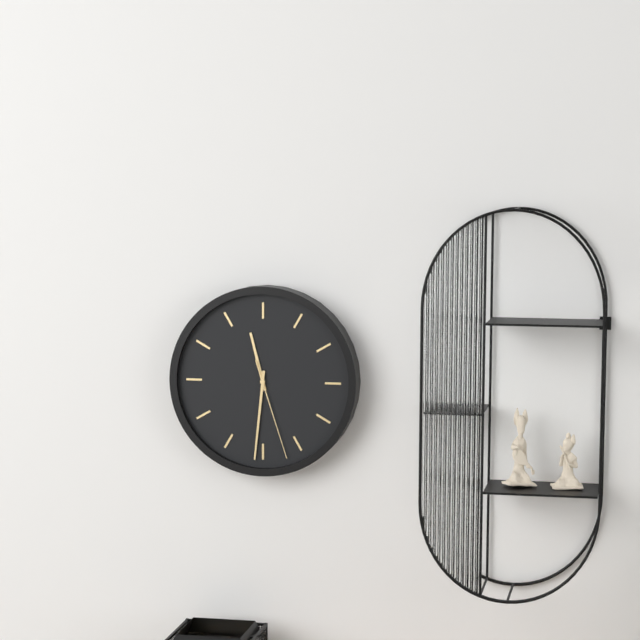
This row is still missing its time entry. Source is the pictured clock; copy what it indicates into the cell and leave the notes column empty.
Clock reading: 11:31:27
